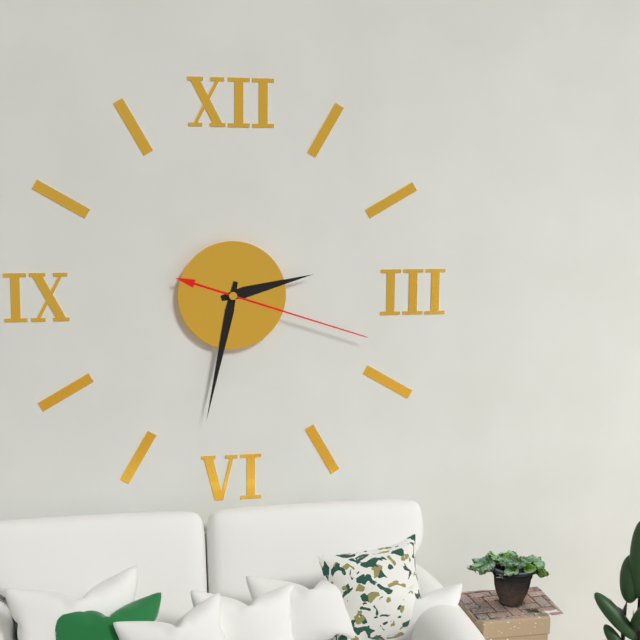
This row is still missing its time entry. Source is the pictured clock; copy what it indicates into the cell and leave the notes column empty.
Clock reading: 2:32:18
